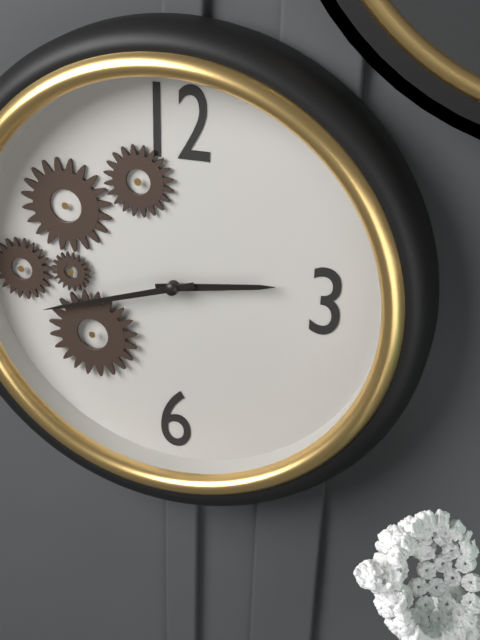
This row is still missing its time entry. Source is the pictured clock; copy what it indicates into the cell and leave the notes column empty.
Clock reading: 2:42
